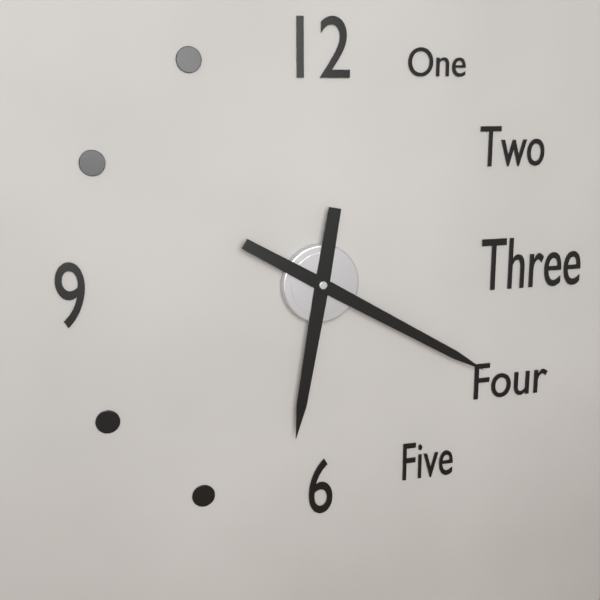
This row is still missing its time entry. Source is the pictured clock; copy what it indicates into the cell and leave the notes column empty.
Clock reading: 6:20
